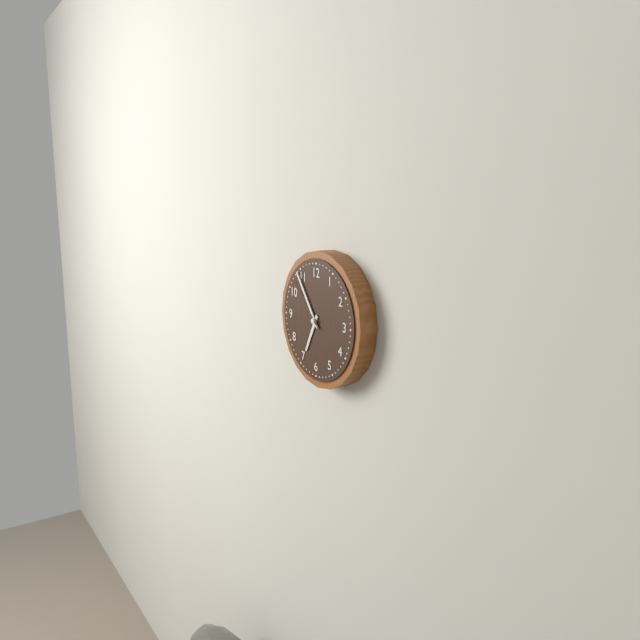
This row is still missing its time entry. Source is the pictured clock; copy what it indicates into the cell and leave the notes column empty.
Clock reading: 6:54:52
